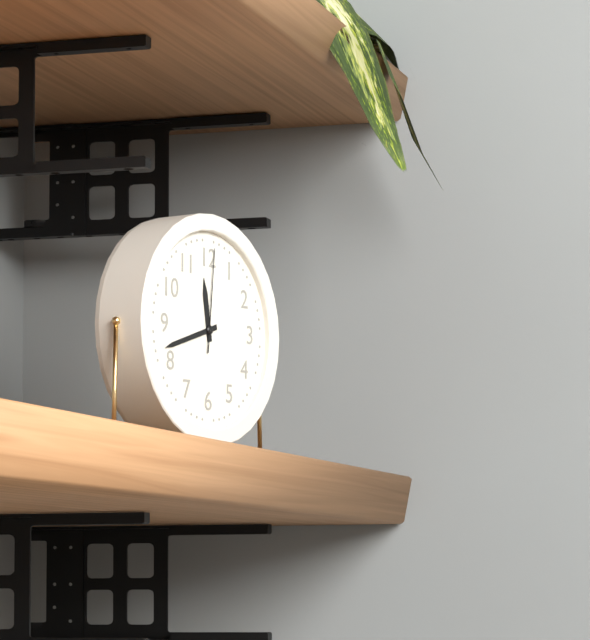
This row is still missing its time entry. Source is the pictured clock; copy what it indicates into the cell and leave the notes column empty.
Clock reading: 11:42:01
